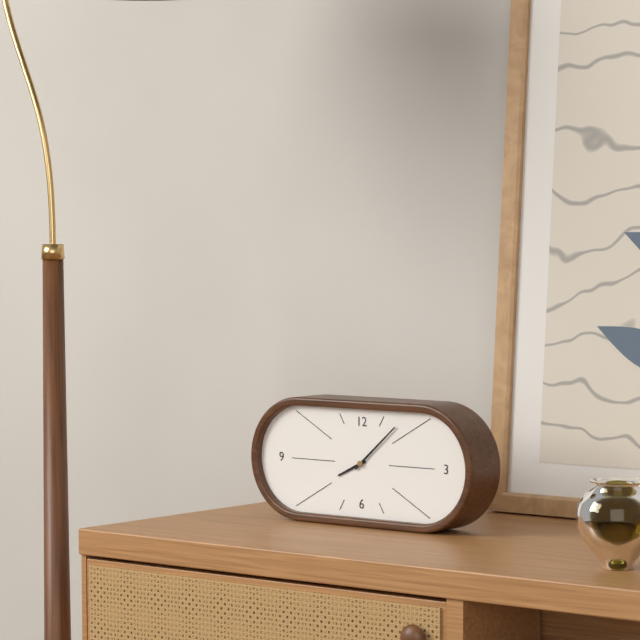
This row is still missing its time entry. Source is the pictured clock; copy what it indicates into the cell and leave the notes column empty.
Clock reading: 8:08
